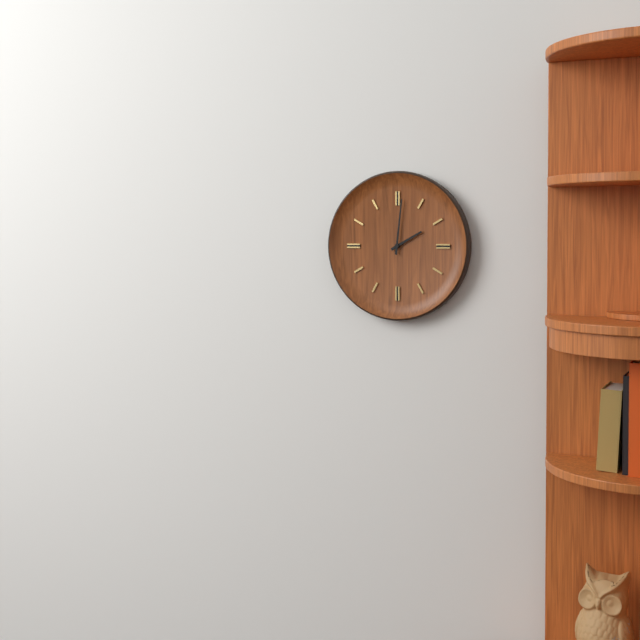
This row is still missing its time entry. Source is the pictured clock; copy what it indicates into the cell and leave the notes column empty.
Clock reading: 2:01
